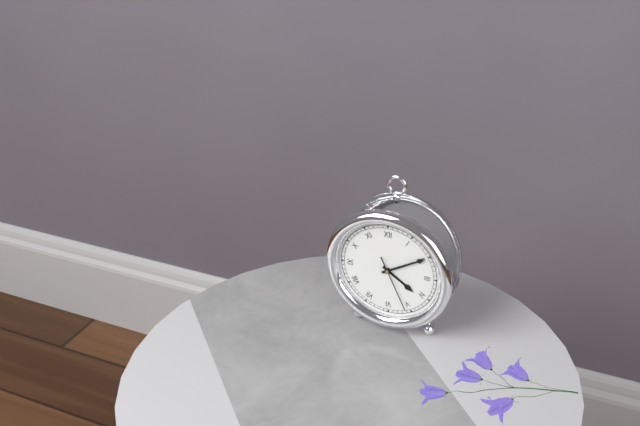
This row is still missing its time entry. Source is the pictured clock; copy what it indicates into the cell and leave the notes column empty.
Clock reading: 4:10:26
